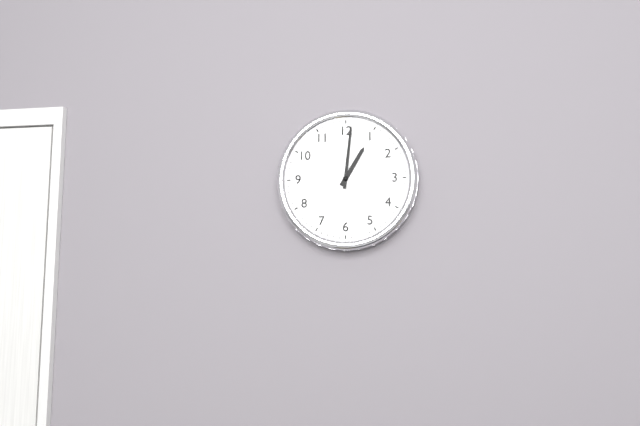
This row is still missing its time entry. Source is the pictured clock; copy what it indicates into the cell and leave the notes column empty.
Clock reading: 1:01
